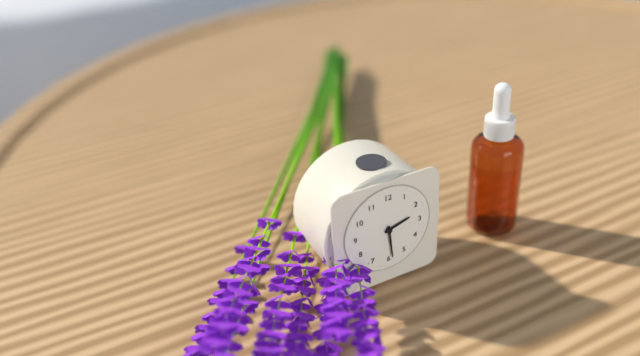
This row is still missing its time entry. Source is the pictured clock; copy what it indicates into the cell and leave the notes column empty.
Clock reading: 2:29
